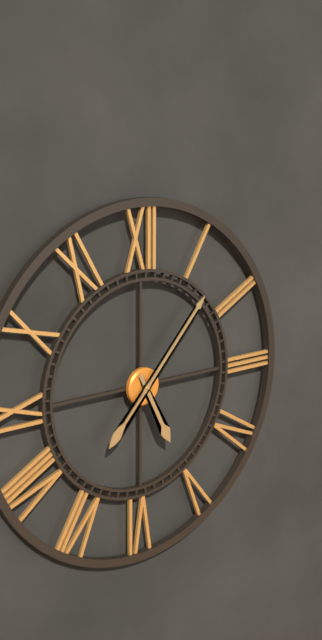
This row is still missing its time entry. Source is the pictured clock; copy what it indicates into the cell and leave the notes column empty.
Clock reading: 5:07
